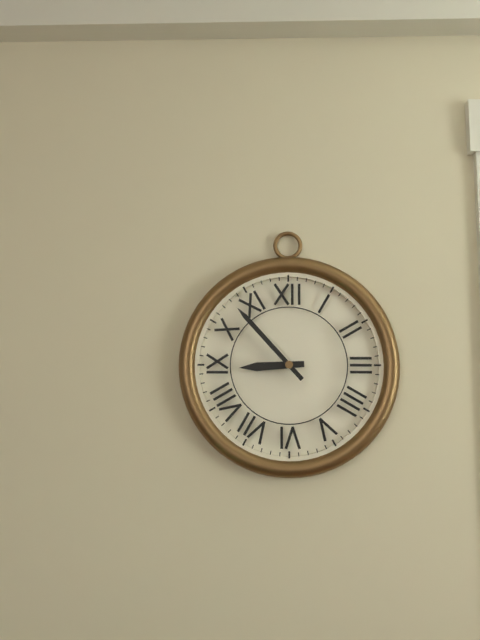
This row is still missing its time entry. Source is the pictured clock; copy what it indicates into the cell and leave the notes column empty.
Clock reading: 8:53
